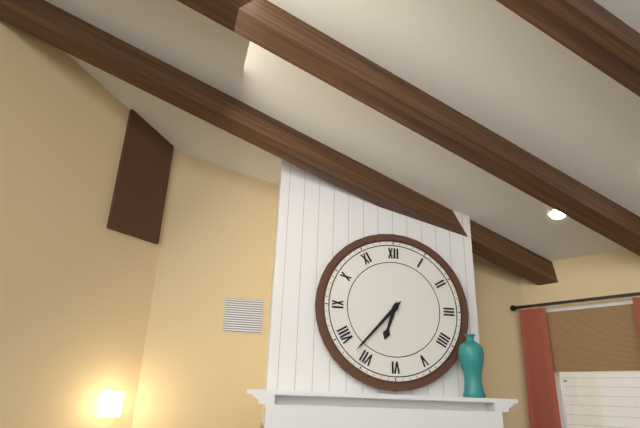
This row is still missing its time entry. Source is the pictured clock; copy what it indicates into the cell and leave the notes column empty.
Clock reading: 6:37
